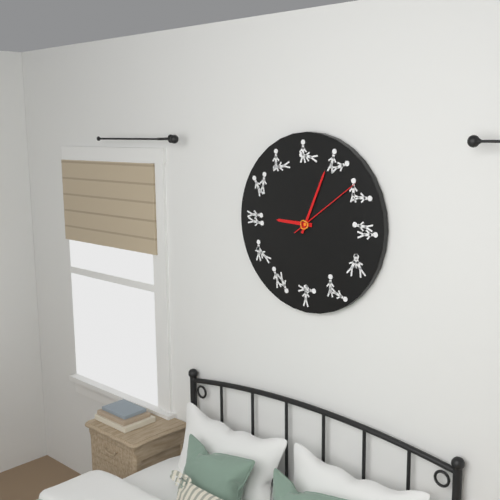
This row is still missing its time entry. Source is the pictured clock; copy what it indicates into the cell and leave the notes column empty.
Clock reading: 9:04:09
